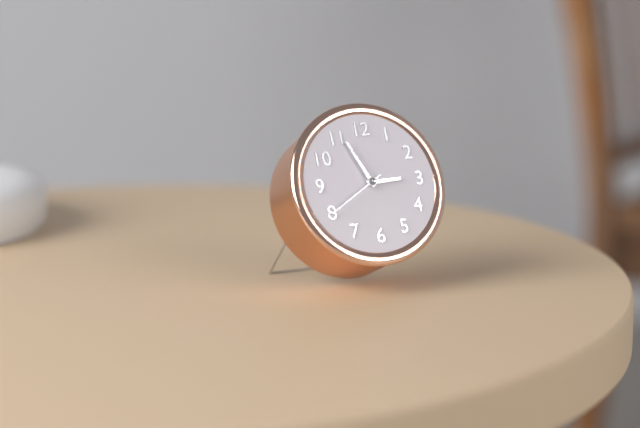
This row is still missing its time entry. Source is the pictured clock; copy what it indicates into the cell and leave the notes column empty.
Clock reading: 2:56:40
